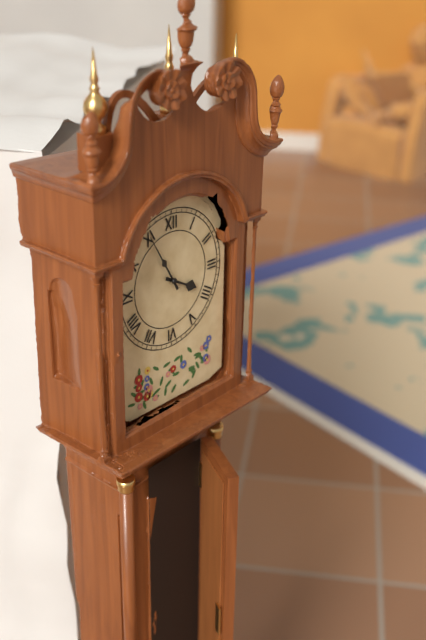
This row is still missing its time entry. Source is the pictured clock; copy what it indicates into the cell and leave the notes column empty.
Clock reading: 3:55
